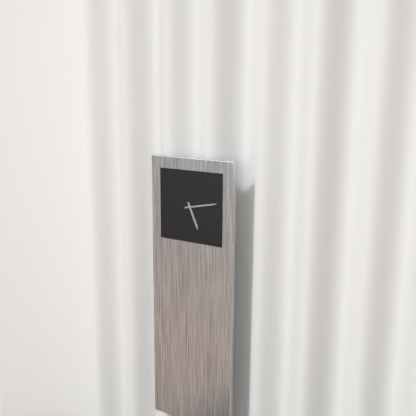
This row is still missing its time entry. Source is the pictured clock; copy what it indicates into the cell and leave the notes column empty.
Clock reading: 5:13
